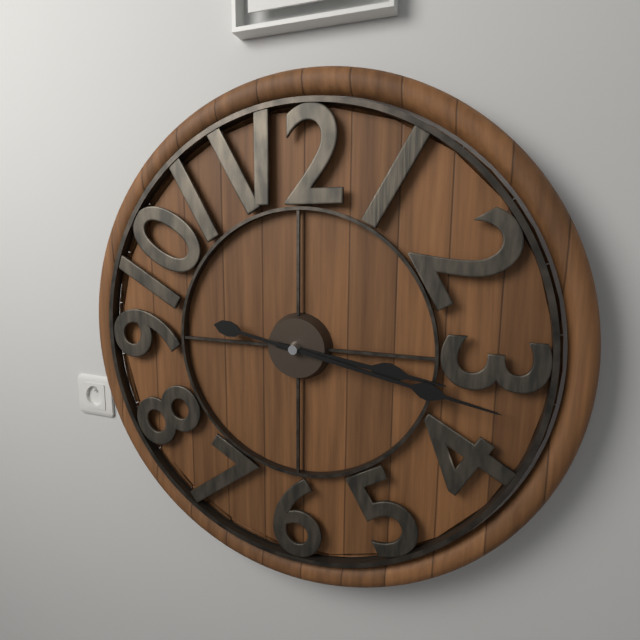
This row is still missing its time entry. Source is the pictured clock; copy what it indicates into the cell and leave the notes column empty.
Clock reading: 3:17
